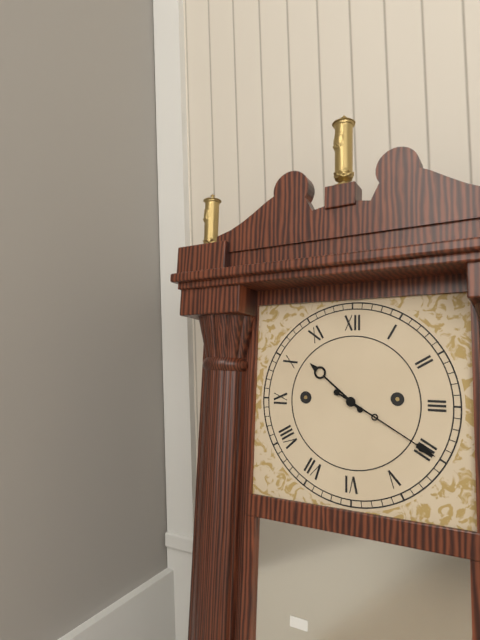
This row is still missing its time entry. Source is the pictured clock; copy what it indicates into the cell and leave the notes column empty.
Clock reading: 10:20
